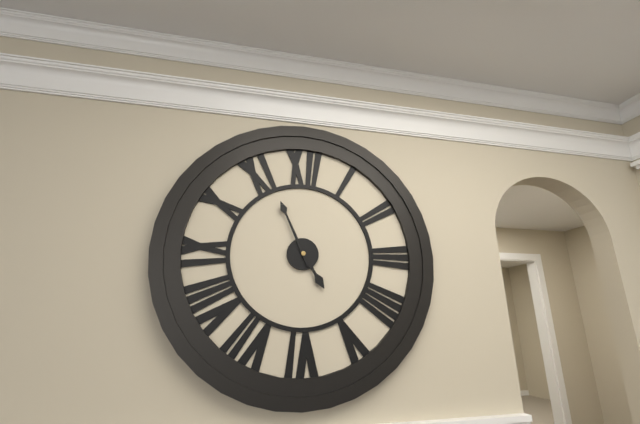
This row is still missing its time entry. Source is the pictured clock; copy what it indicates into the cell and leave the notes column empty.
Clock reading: 4:56
